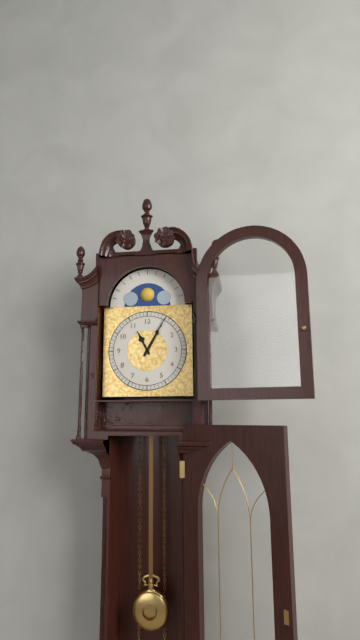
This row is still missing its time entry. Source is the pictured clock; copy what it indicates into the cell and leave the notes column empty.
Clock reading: 11:05
